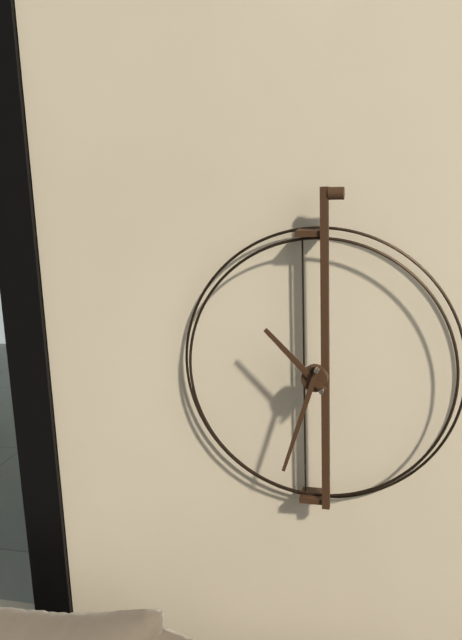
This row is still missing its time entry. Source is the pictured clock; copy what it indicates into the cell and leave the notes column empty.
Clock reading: 10:33
